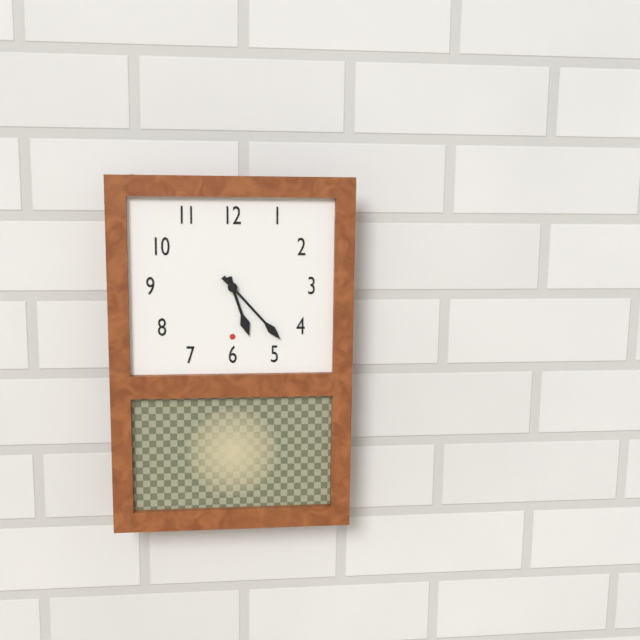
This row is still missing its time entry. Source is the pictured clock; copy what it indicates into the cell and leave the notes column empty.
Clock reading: 5:23
